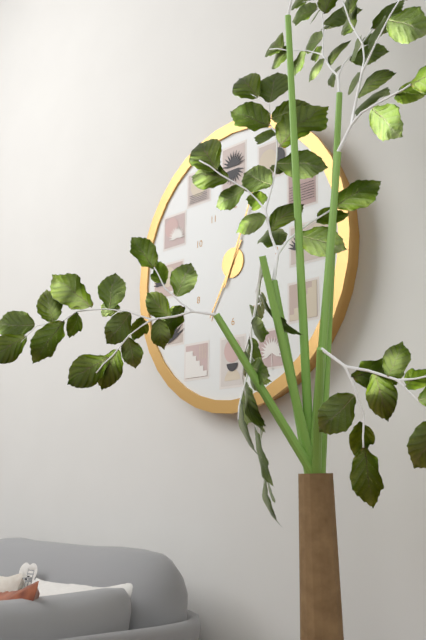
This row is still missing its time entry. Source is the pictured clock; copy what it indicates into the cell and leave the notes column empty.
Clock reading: 7:04
